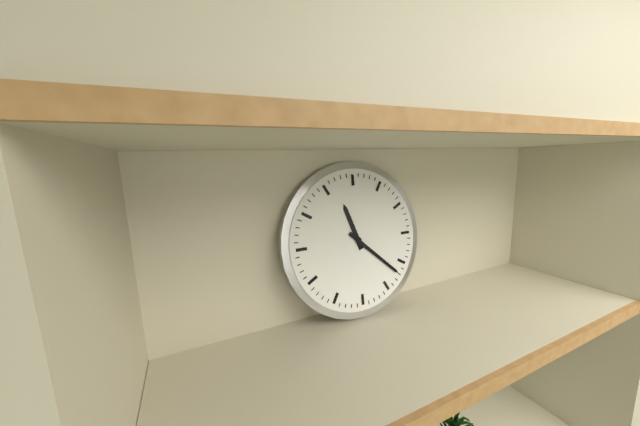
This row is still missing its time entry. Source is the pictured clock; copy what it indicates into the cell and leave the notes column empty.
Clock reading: 11:22
